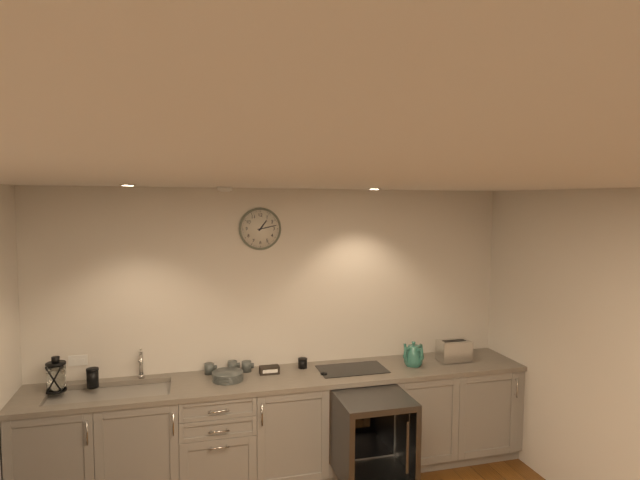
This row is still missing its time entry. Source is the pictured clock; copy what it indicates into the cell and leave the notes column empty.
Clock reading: 1:13
